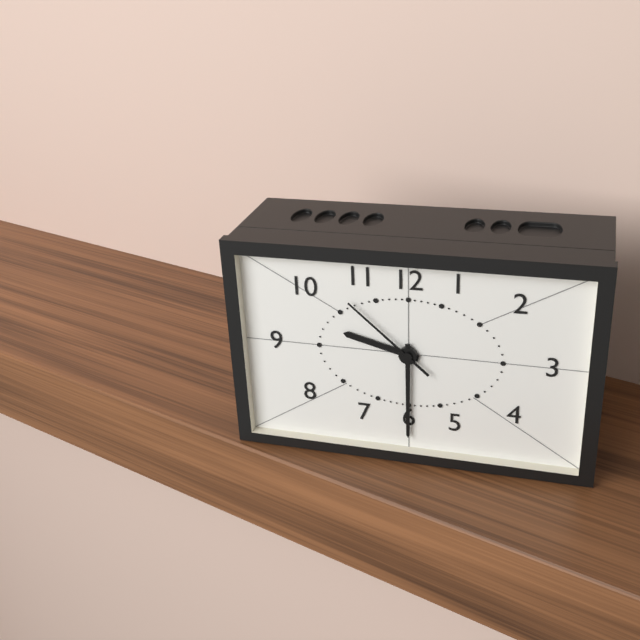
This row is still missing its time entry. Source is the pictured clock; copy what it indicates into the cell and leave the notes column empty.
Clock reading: 9:30:52
